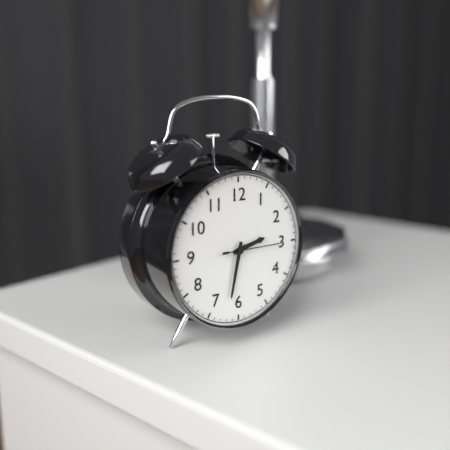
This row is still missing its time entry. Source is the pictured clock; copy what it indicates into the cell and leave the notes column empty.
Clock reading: 2:32:15
